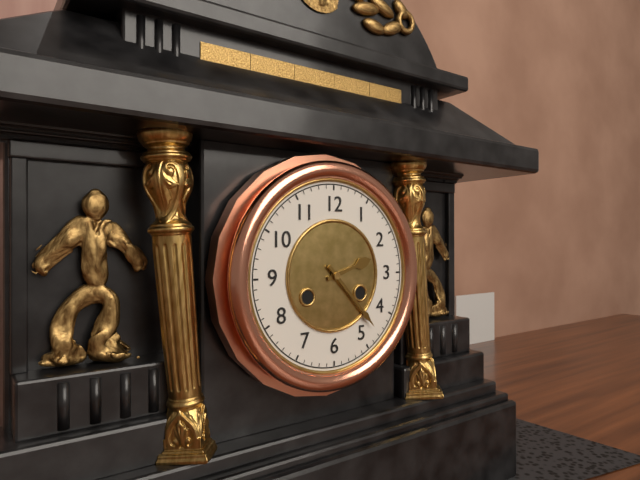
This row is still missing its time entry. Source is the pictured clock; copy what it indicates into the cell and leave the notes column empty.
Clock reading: 2:23
